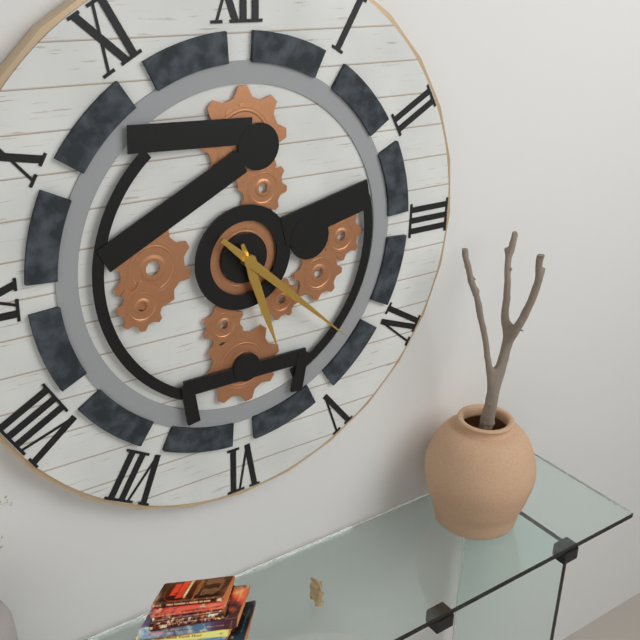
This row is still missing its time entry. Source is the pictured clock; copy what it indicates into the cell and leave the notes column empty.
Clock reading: 5:22
